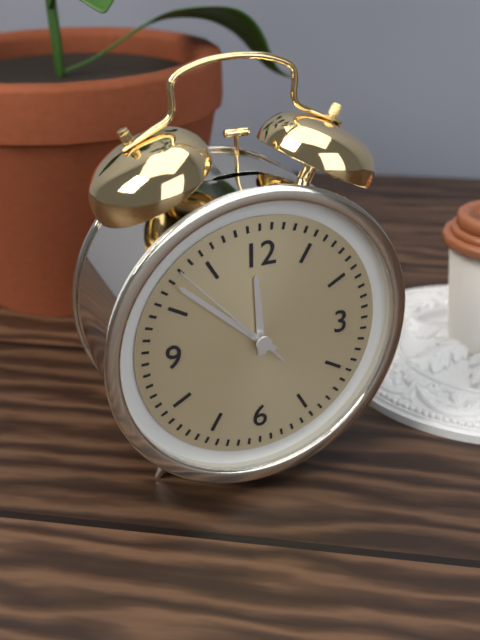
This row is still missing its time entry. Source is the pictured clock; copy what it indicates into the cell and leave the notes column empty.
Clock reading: 11:52:53
